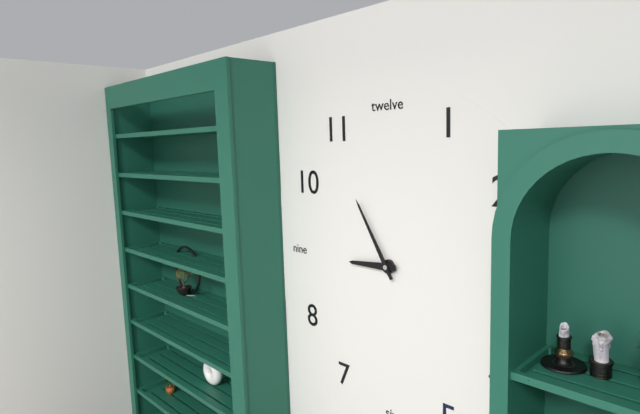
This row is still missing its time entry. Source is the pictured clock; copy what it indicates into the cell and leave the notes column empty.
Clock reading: 8:55
